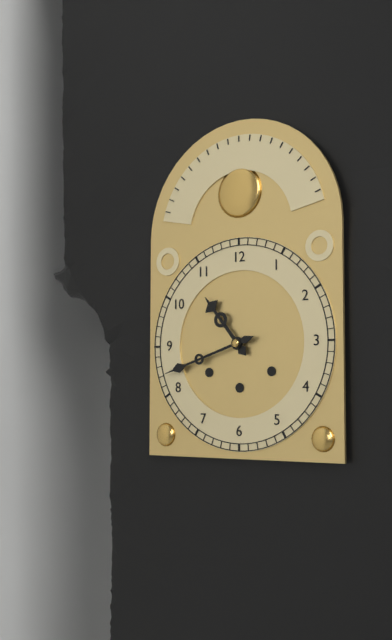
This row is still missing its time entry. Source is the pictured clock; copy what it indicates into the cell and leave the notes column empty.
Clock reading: 10:42
